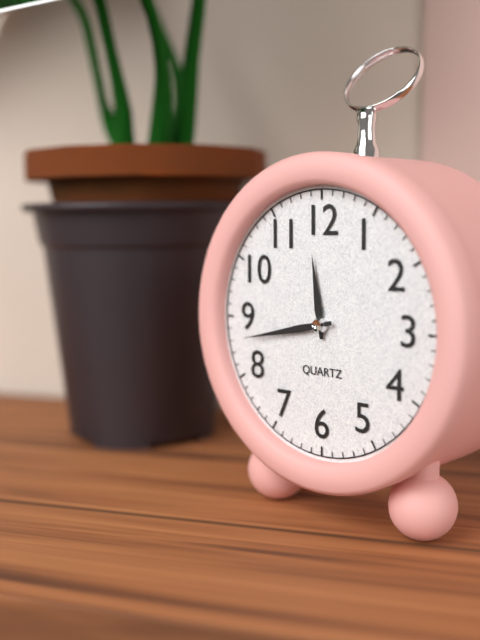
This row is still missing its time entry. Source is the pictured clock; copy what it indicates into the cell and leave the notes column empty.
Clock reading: 11:43
